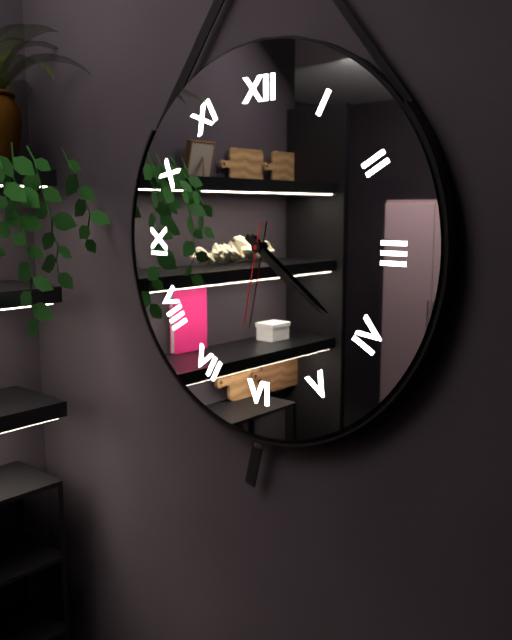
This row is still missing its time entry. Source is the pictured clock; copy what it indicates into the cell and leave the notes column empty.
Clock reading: 4:21:32
